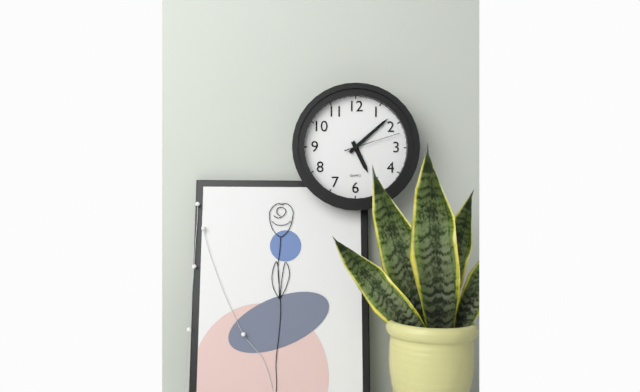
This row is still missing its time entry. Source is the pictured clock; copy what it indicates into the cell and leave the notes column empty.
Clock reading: 5:08:12
